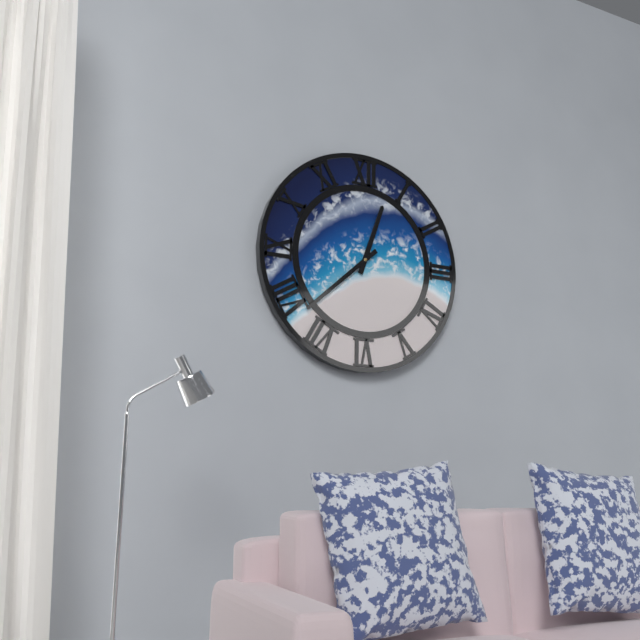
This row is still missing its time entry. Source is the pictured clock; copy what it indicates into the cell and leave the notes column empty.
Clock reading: 12:38
